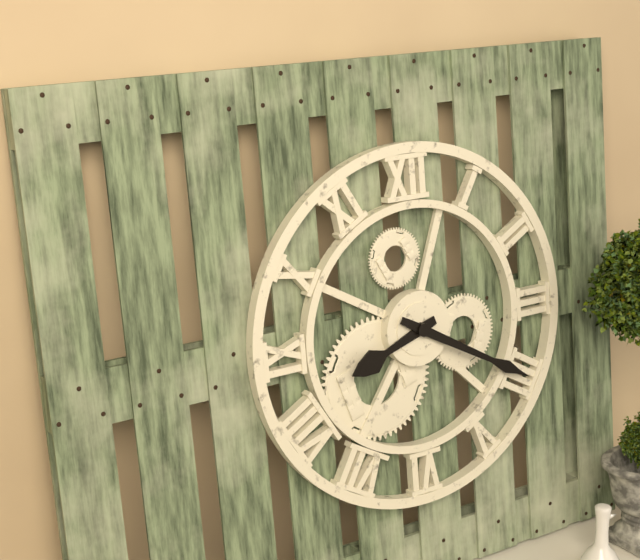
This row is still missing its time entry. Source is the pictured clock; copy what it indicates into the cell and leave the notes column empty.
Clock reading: 8:20
